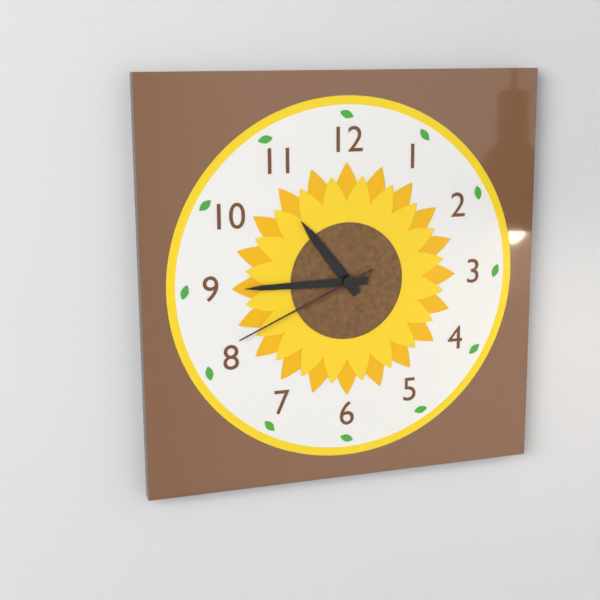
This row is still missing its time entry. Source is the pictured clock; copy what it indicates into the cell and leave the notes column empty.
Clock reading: 10:45:41
